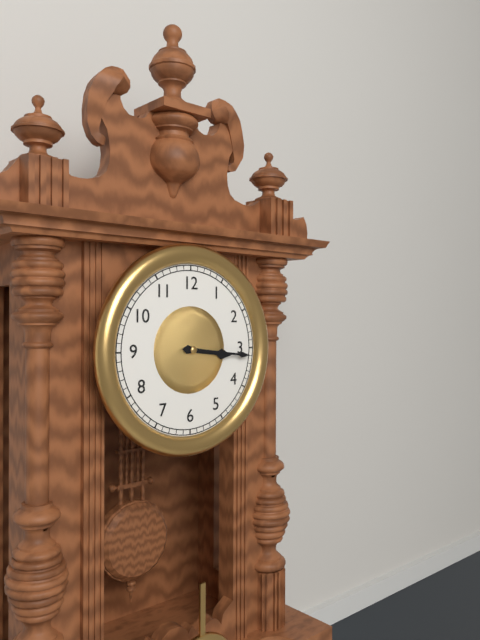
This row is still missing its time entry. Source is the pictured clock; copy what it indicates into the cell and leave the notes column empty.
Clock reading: 3:16
